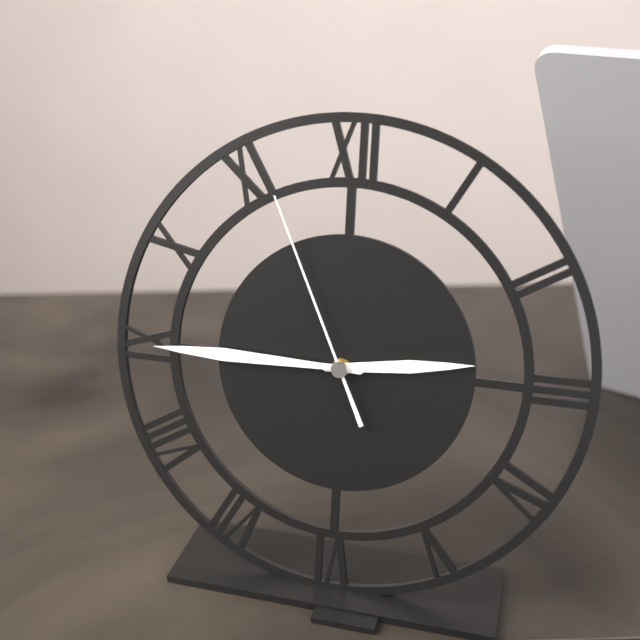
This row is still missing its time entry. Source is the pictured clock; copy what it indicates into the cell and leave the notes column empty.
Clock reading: 2:45:56
